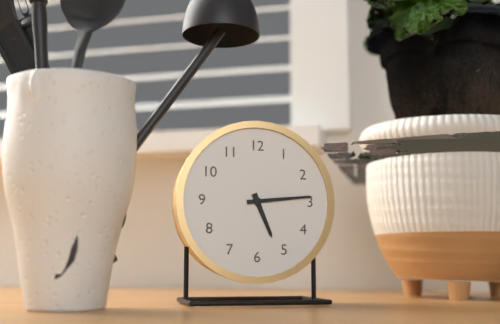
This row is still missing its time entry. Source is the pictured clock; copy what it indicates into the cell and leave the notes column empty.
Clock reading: 5:14
